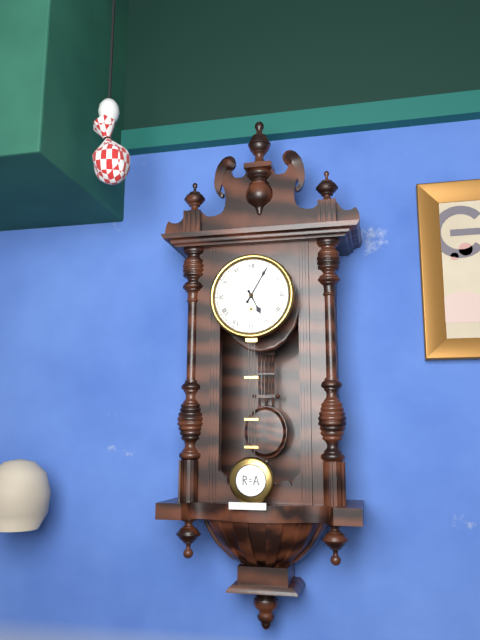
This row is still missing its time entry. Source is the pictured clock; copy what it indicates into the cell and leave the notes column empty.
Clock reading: 5:05
